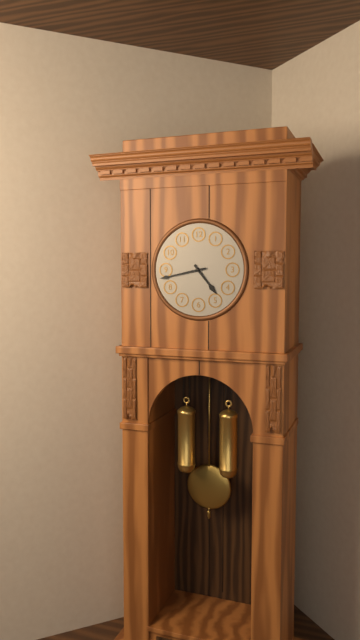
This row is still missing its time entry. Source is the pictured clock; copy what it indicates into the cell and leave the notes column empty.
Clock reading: 4:43
